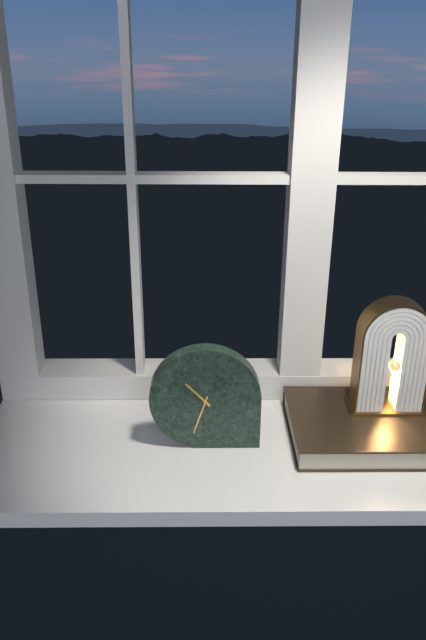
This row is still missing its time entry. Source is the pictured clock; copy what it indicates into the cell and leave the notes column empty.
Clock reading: 10:33
